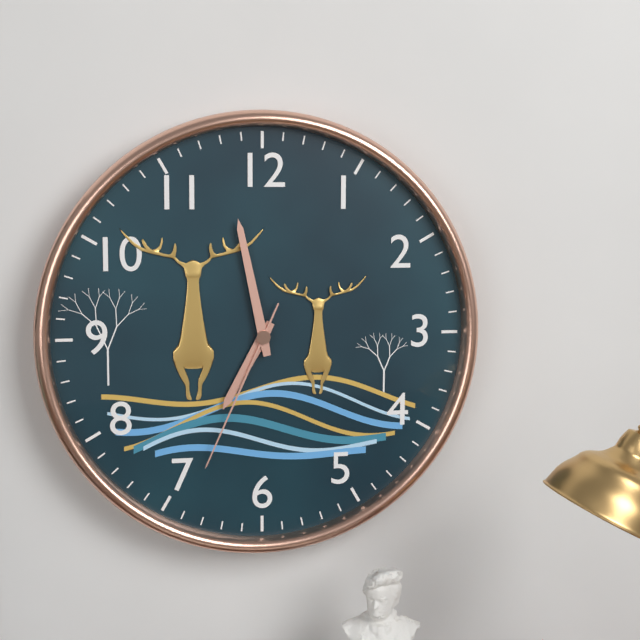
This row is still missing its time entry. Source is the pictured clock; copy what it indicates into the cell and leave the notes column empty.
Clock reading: 6:58:34
